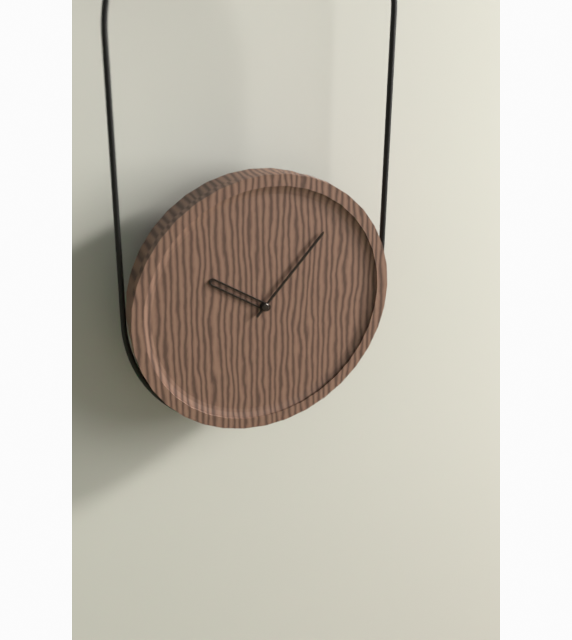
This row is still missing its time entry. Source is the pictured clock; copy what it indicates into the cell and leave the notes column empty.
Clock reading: 10:07
